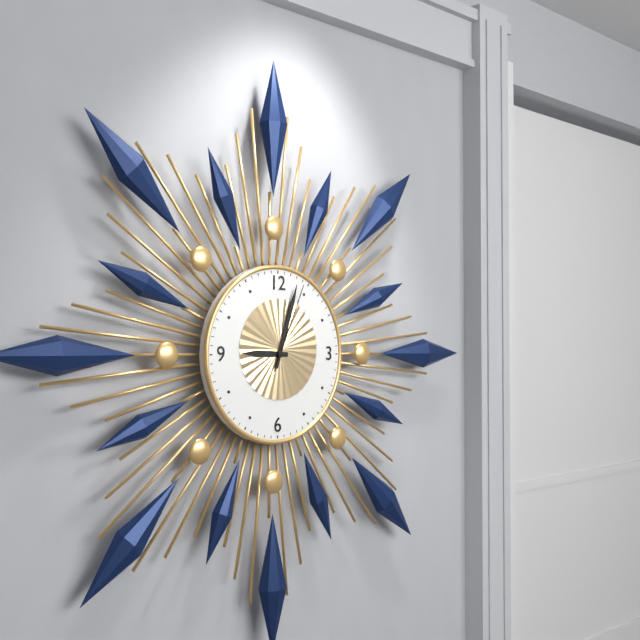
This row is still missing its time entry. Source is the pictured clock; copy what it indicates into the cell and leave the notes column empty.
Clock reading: 9:03:04
